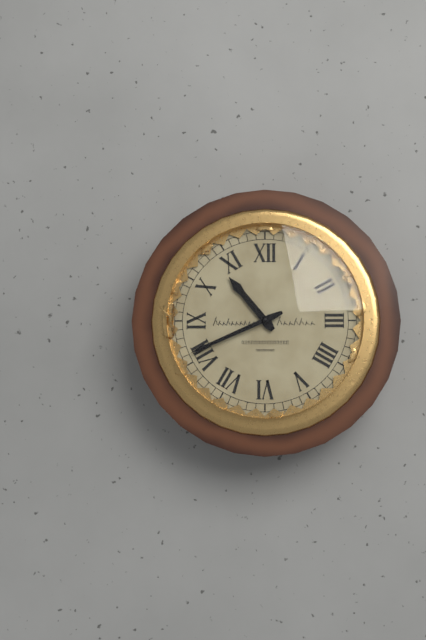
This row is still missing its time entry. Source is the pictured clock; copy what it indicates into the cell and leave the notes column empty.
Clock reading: 10:41
